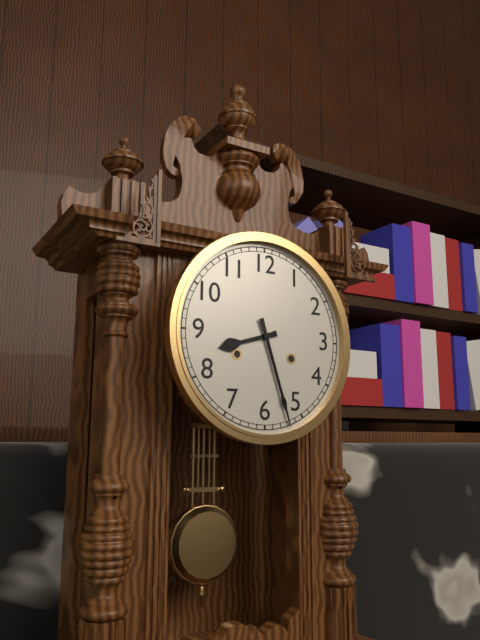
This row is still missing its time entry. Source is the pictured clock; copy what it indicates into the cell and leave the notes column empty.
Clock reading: 8:27
